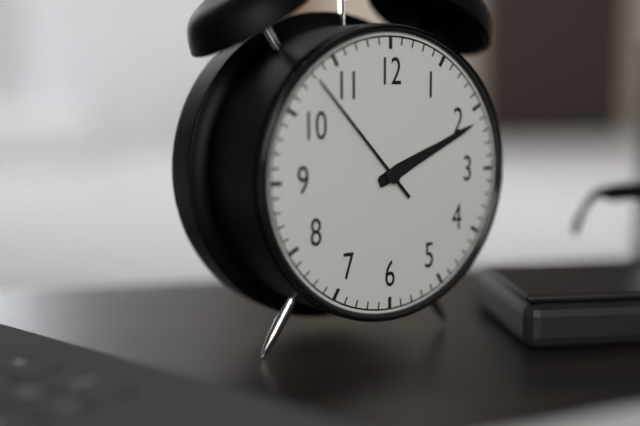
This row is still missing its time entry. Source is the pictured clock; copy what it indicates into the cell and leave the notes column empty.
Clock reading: 2:11:53
